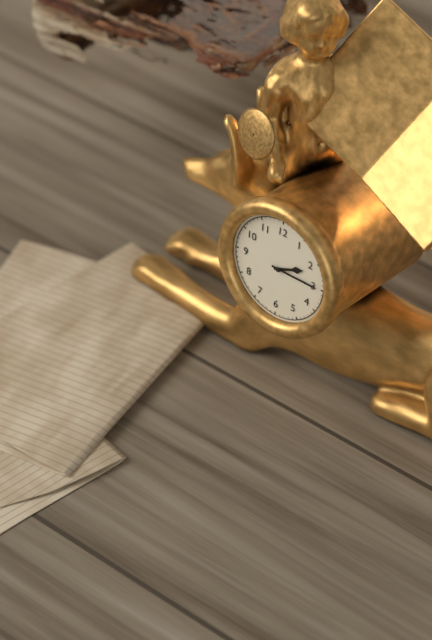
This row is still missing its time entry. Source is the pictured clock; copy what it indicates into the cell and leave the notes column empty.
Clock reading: 2:15
